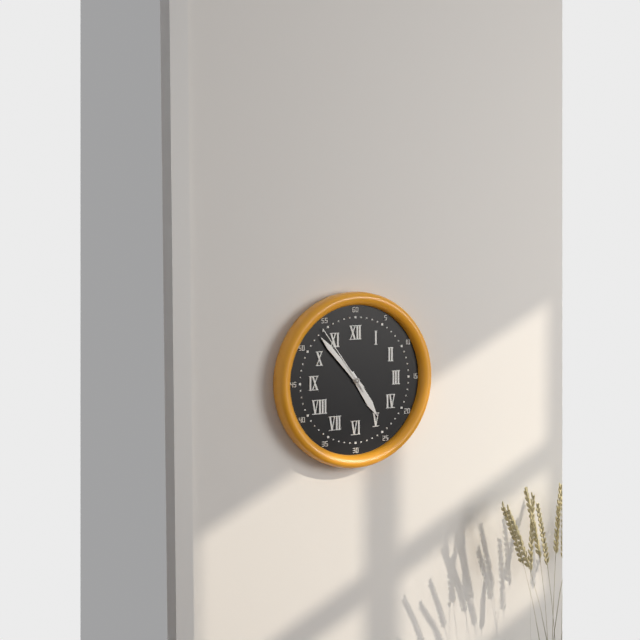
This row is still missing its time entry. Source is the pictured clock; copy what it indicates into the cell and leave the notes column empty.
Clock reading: 4:53:54
